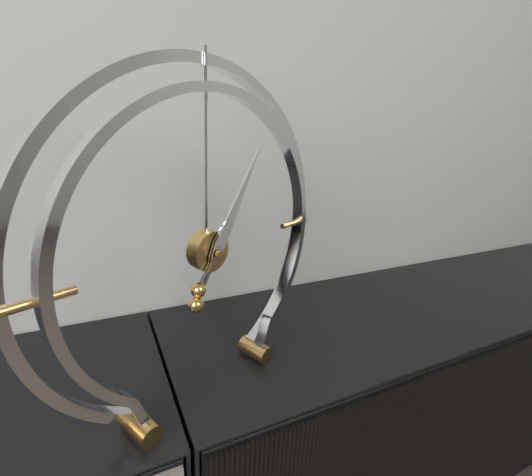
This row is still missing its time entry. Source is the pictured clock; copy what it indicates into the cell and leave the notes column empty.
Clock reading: 1:05
